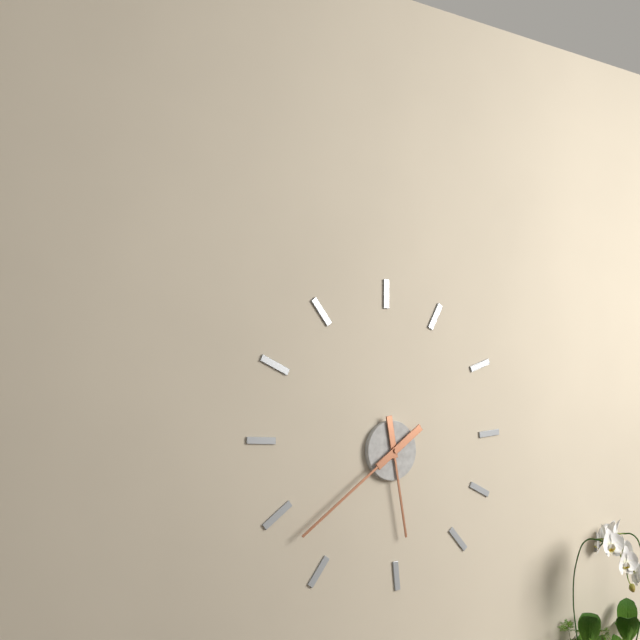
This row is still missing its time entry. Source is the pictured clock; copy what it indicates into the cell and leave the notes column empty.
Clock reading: 5:39
